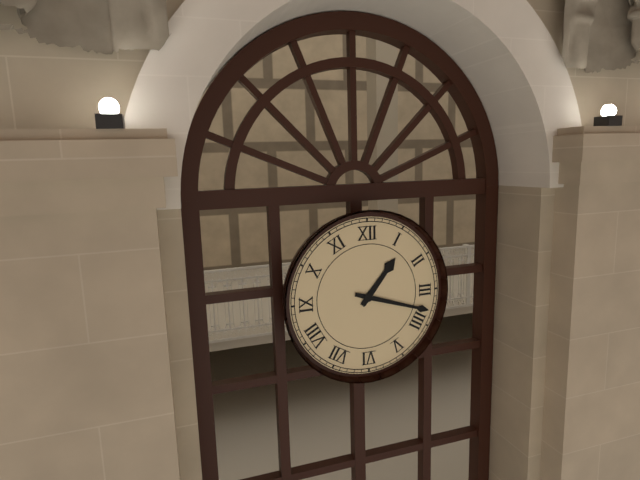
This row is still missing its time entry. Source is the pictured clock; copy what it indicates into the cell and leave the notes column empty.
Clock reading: 1:18
